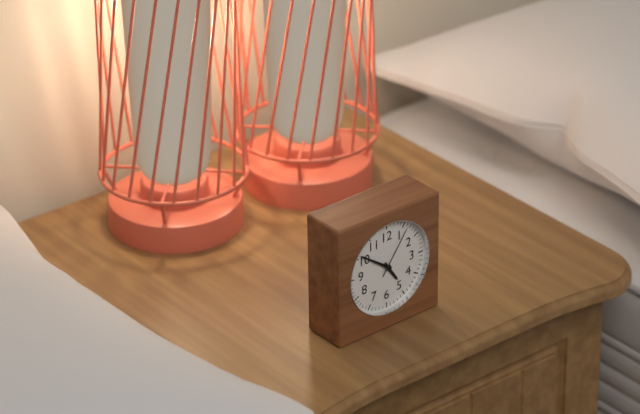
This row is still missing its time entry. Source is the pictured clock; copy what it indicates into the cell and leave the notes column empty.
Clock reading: 4:51:06
